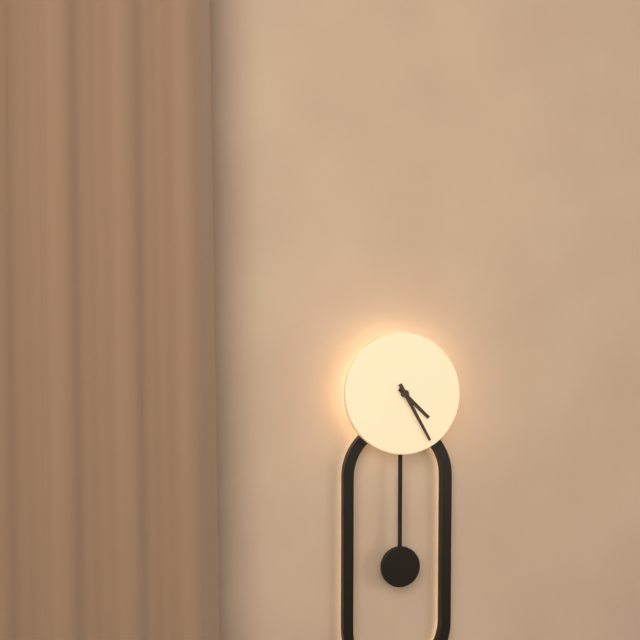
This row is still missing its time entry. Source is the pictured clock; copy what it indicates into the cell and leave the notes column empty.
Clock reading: 4:25
